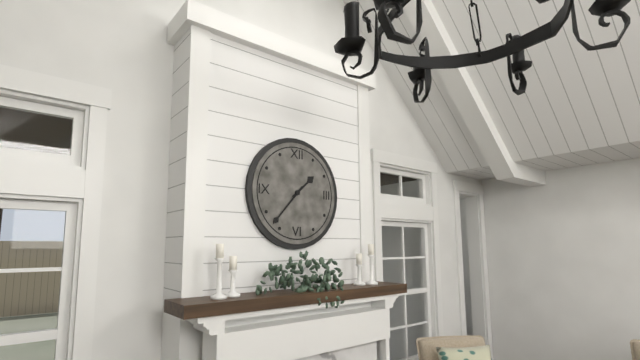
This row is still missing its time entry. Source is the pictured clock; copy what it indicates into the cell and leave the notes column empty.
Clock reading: 1:37
